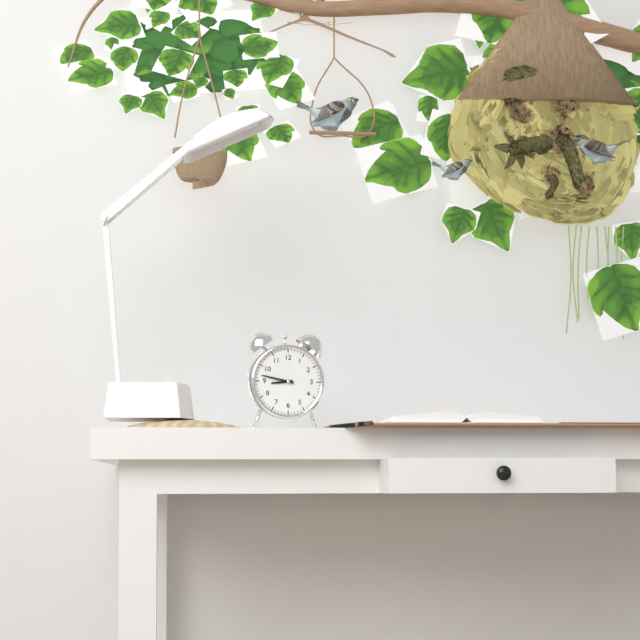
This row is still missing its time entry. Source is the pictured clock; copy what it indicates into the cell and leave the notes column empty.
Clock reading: 8:47
